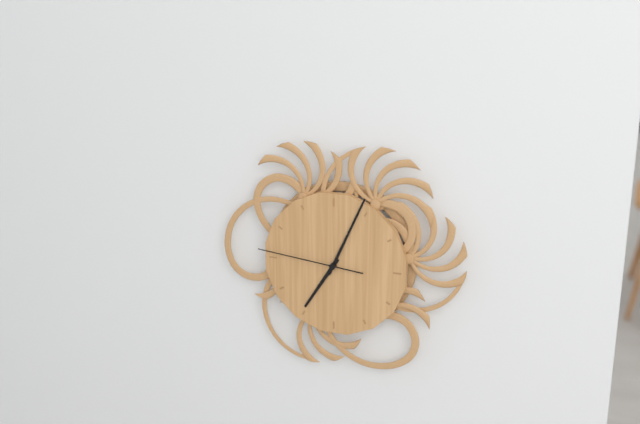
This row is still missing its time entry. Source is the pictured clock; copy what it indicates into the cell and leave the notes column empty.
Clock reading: 7:04:46
